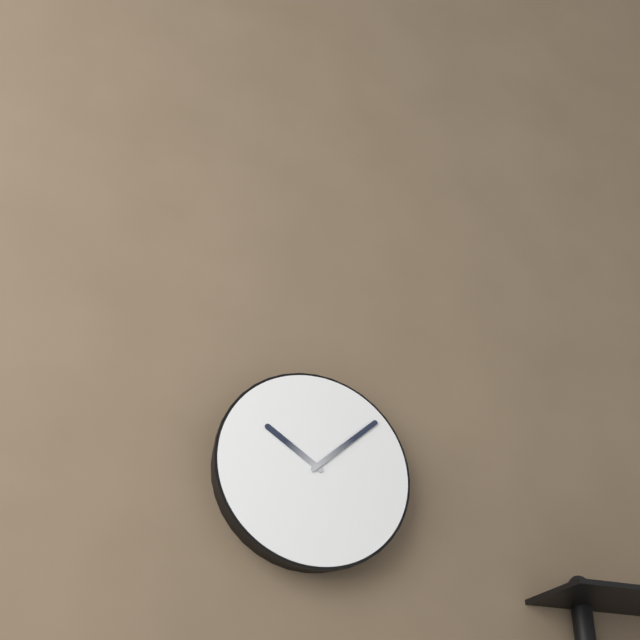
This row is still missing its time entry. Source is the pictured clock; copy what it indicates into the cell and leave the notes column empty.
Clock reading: 10:08
